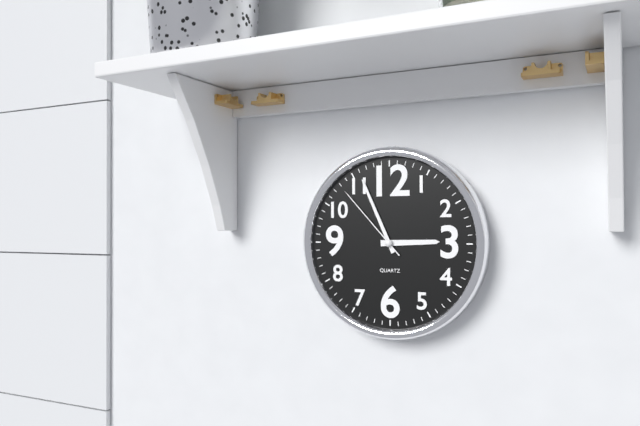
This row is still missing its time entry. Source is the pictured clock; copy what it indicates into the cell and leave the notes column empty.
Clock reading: 2:56:53
